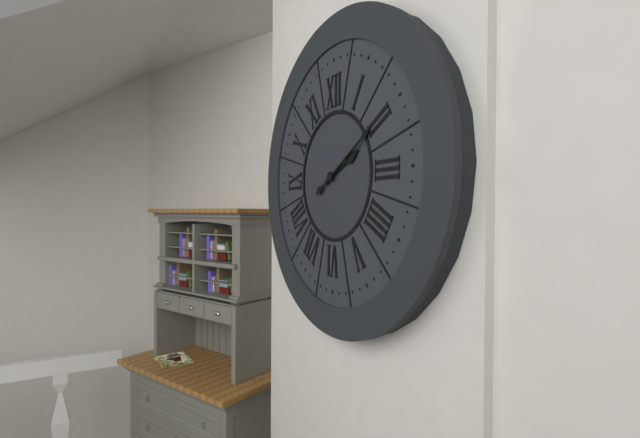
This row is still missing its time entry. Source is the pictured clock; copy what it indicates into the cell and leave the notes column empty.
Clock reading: 2:10
